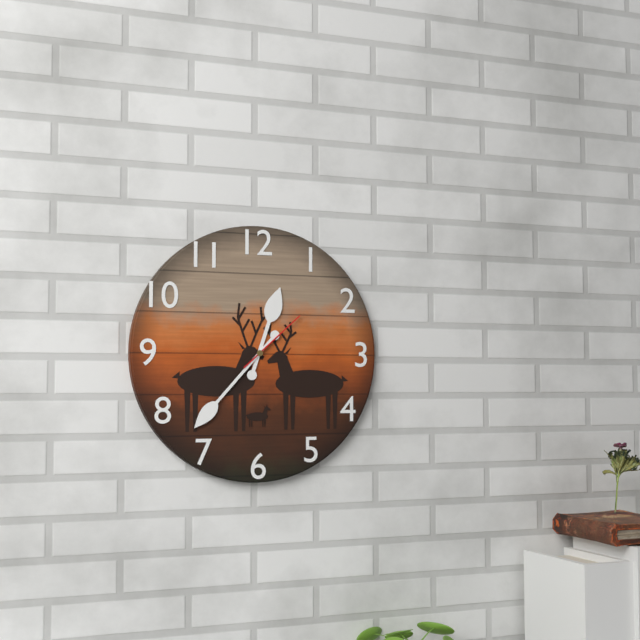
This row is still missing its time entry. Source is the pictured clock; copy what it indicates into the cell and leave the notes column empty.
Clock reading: 12:37:08
